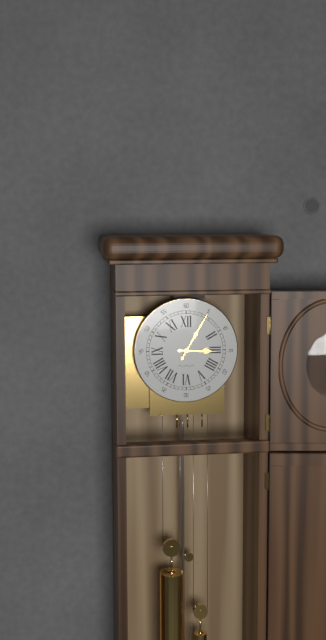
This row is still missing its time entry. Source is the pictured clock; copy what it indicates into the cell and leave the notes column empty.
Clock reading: 3:05
